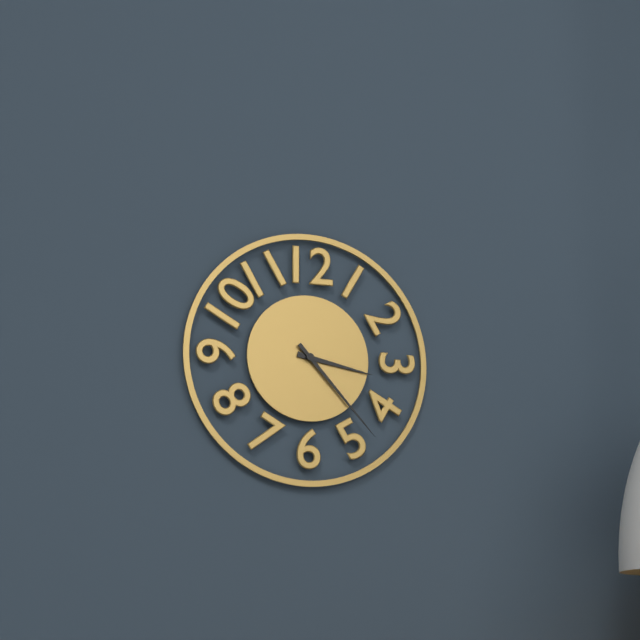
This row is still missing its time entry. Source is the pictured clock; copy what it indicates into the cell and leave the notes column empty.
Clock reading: 3:23
